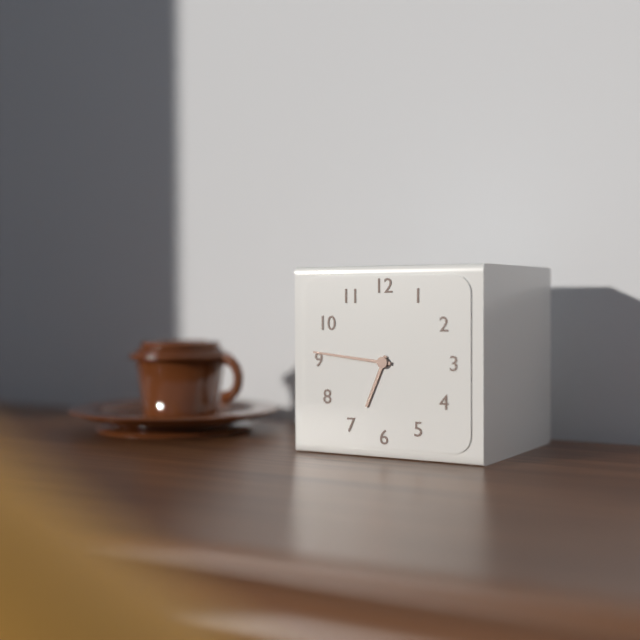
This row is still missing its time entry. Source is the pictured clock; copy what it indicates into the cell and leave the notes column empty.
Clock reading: 6:46
